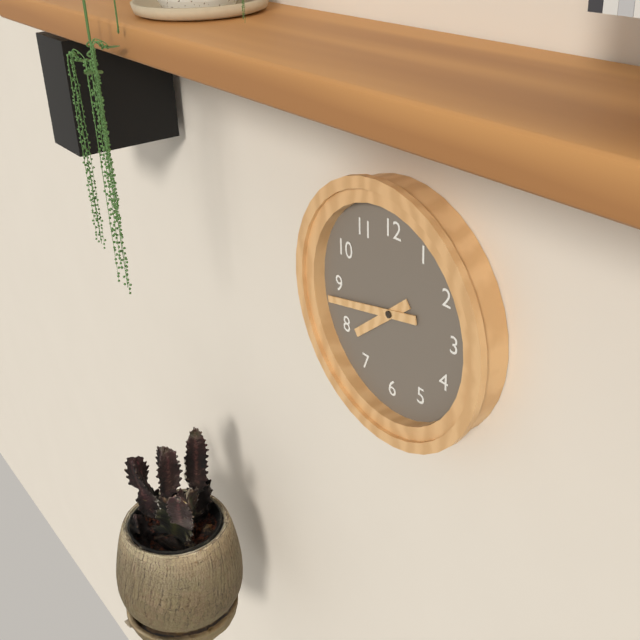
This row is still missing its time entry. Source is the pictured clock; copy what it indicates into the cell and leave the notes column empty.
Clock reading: 7:43
